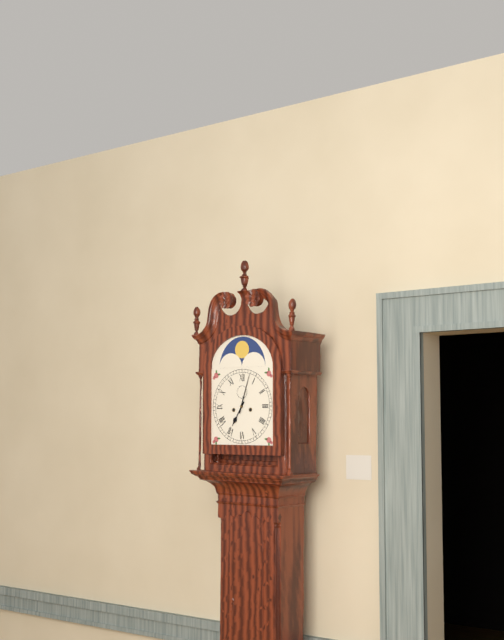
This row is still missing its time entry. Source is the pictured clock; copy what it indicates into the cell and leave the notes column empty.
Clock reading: 7:03
